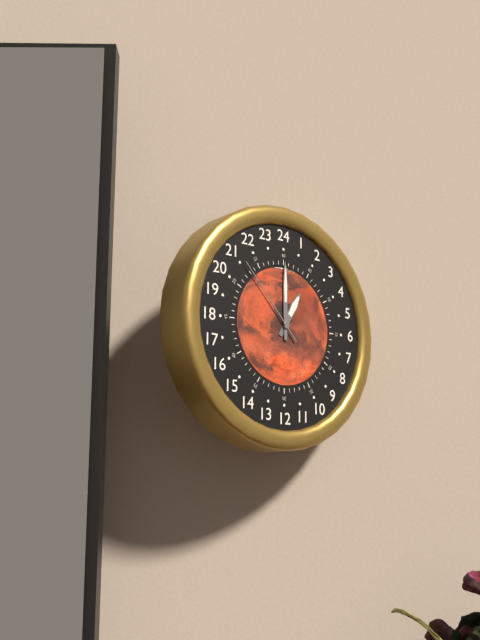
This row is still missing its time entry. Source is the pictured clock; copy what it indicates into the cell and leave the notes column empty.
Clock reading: 1:00:53
